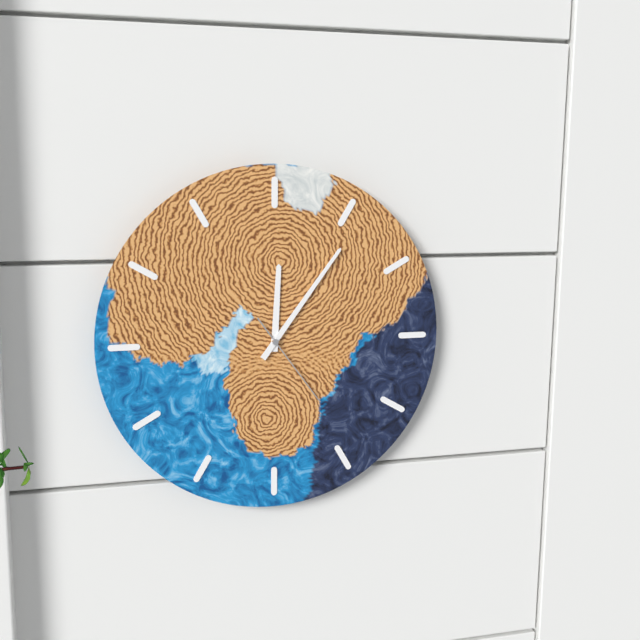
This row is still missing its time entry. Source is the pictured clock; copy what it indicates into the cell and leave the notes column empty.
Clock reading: 12:06:24
